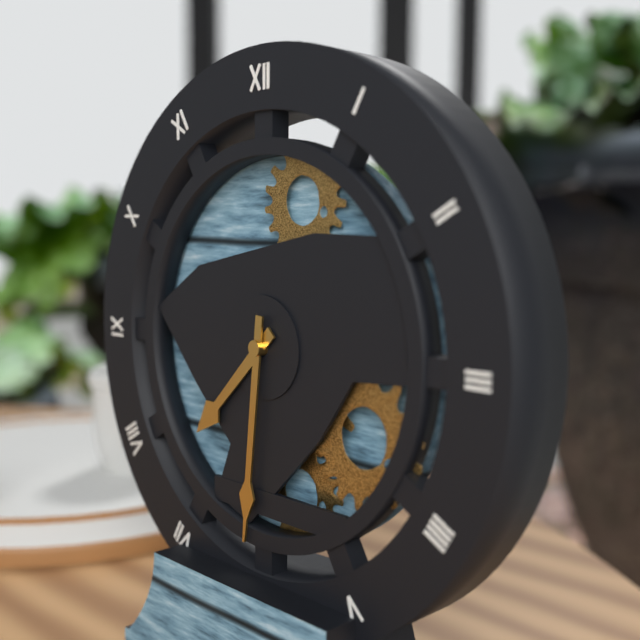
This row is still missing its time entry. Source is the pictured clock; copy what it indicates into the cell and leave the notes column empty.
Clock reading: 7:31
